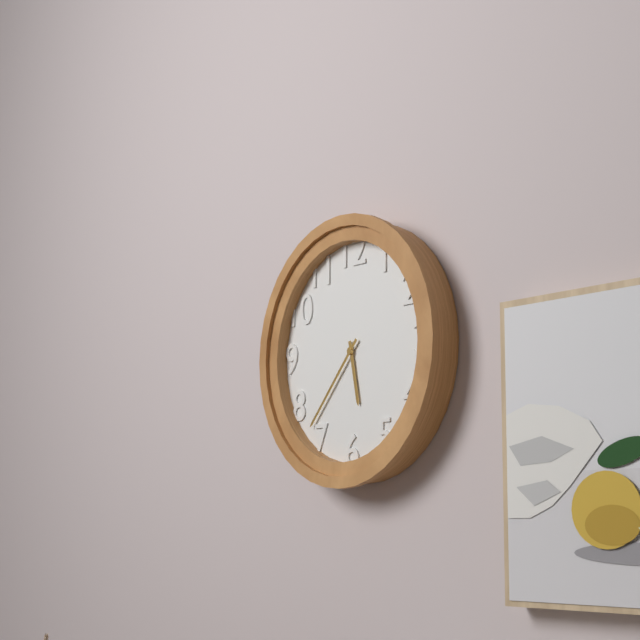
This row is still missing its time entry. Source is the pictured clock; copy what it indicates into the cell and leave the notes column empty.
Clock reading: 5:37
